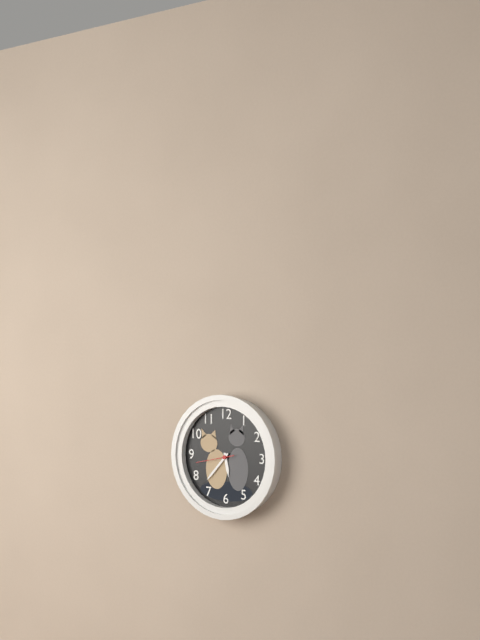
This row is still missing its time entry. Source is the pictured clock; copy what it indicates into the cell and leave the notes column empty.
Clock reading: 5:37
